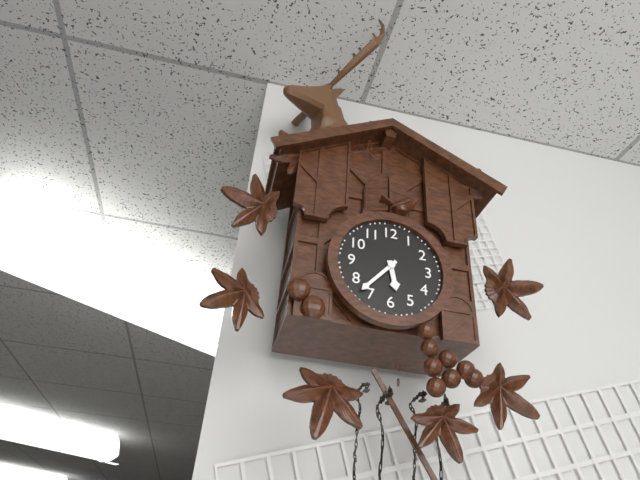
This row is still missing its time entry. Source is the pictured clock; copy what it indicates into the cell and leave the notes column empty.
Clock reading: 5:37
